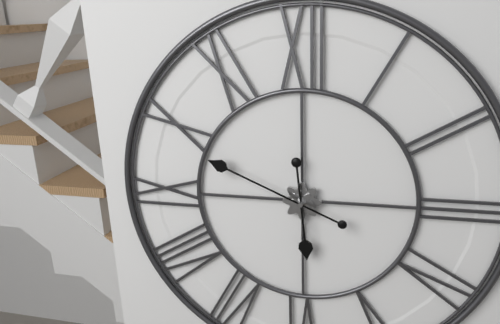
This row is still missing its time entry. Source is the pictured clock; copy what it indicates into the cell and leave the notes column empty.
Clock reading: 5:49
